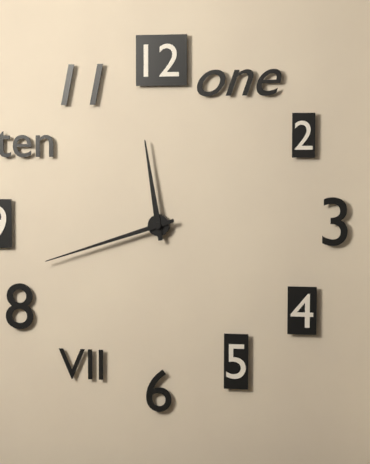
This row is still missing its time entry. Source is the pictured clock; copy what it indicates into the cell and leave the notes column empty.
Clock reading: 11:42
